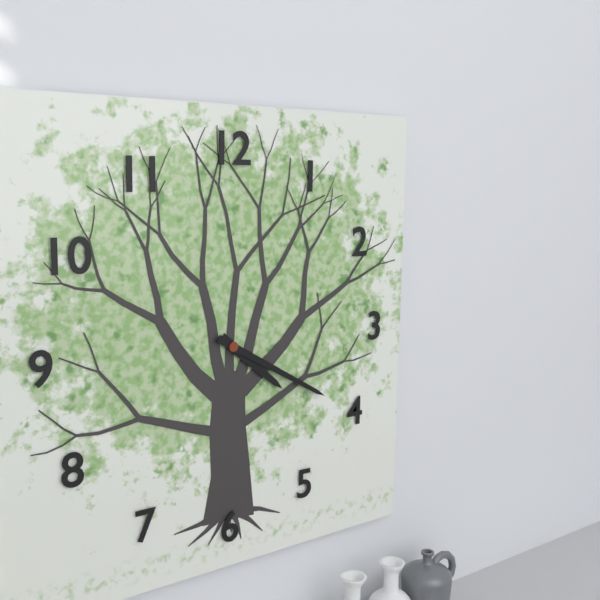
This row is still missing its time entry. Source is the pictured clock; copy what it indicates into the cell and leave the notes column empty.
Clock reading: 4:20
